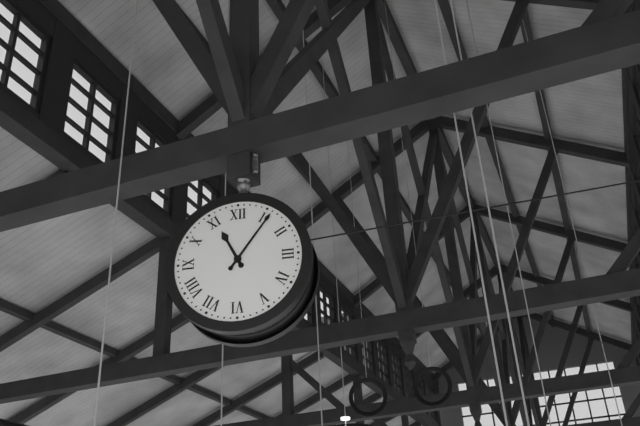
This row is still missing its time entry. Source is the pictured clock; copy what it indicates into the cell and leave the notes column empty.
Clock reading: 11:06
